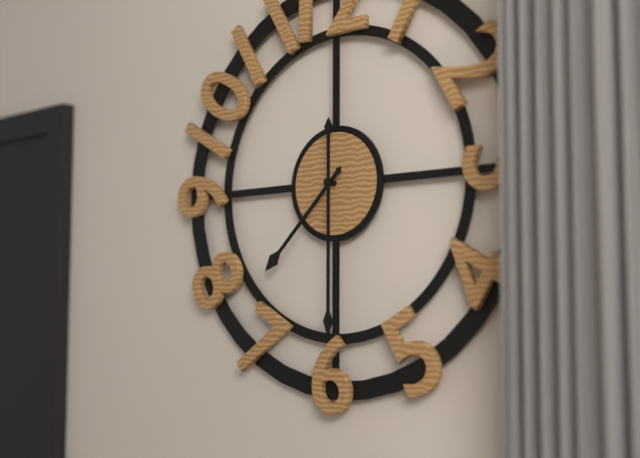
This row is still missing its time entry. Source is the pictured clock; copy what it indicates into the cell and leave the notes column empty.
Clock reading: 7:30
